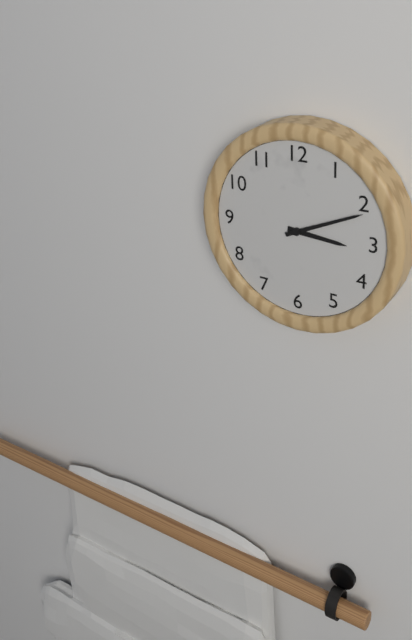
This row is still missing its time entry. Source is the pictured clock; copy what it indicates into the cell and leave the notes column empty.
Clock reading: 3:11
